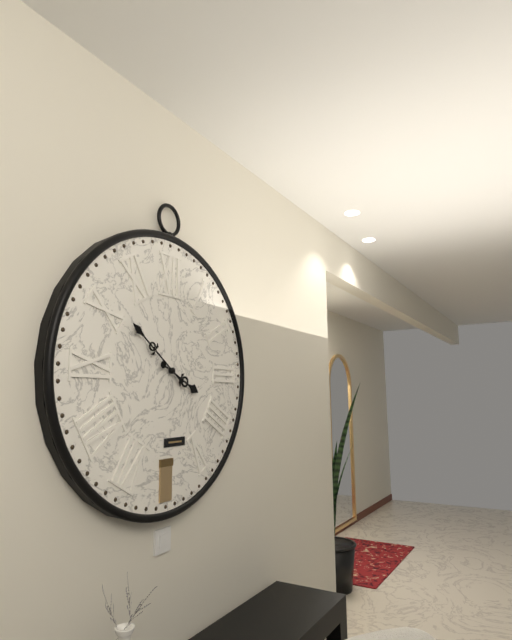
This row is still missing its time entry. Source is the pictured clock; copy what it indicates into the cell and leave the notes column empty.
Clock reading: 3:51
